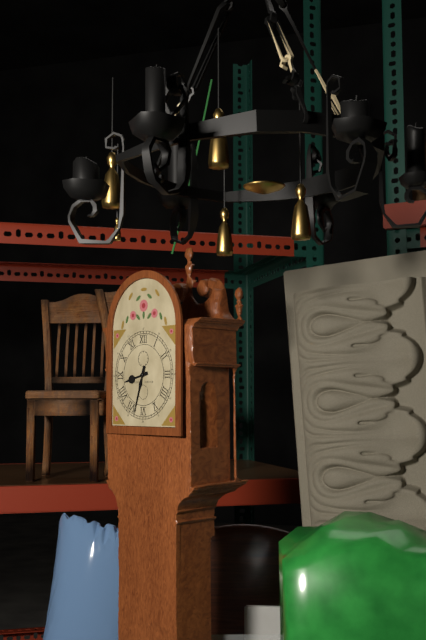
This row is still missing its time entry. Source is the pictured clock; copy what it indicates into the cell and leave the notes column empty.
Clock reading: 8:33
